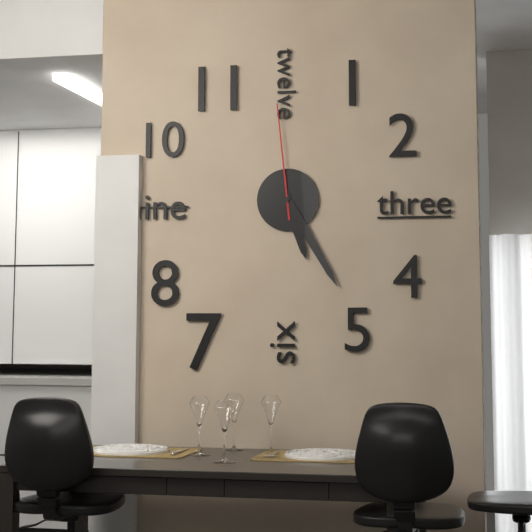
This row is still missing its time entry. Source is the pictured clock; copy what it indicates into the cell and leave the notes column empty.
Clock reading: 5:25:59
